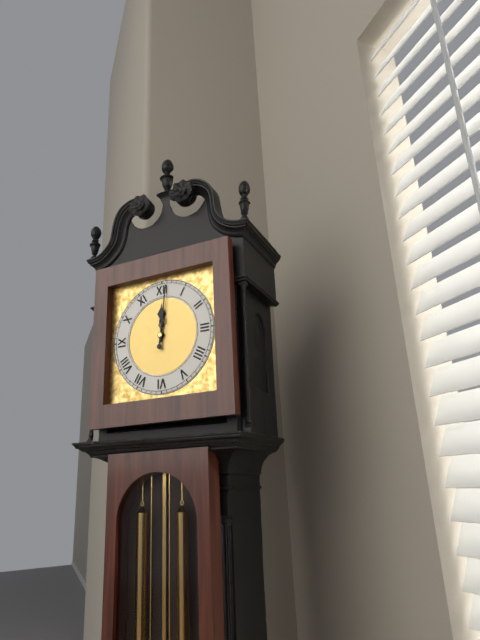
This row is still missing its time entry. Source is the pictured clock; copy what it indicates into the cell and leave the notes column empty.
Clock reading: 12:01
